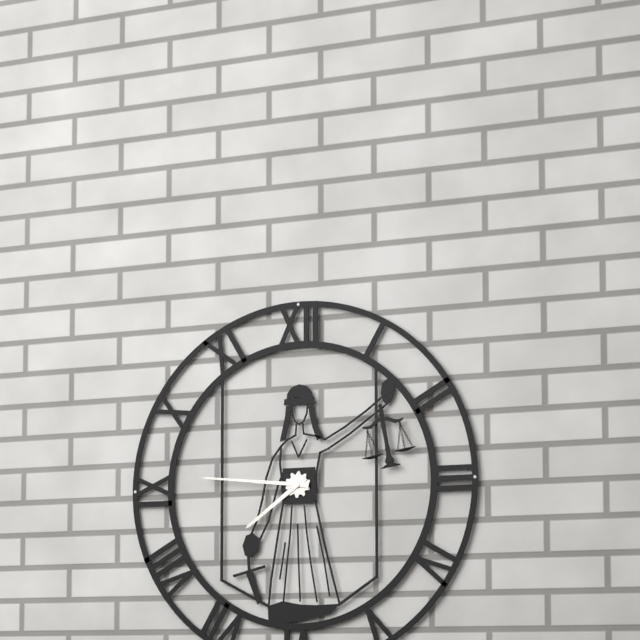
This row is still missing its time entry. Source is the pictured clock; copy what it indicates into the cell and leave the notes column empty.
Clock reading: 7:46
